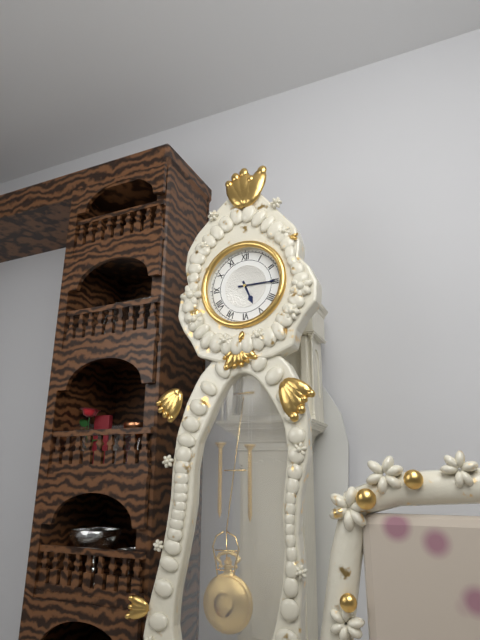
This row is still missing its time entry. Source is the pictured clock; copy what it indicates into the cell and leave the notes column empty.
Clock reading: 5:15
